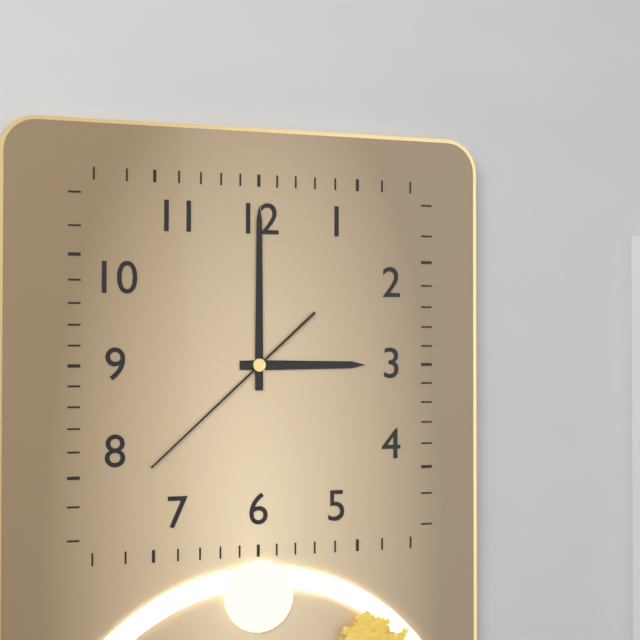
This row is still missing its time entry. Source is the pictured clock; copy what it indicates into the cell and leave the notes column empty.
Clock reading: 3:00:38
